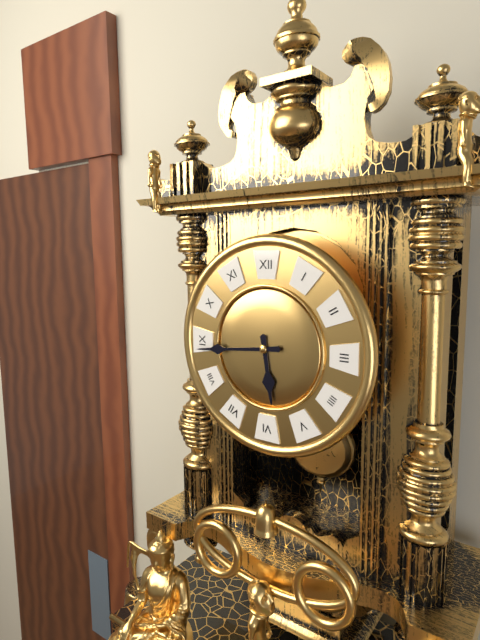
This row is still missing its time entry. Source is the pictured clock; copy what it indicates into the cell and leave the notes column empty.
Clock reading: 5:44
